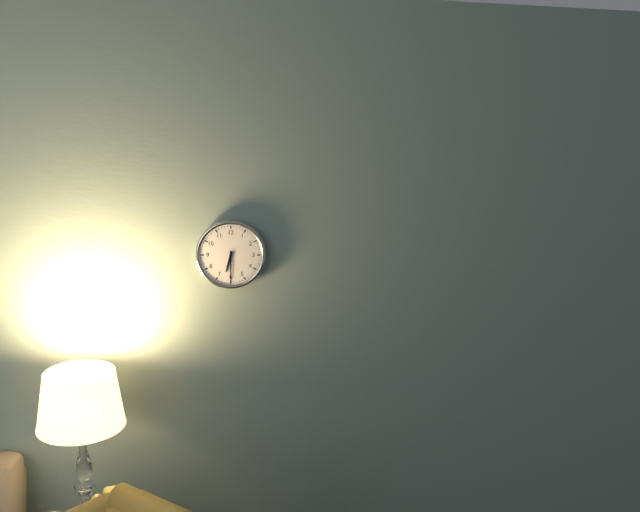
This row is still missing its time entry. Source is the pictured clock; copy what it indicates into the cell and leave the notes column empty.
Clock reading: 6:30
